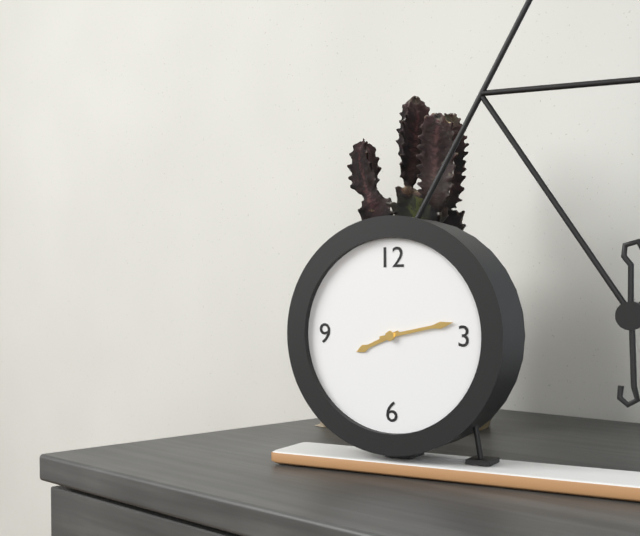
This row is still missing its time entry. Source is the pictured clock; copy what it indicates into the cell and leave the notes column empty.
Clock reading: 8:13
